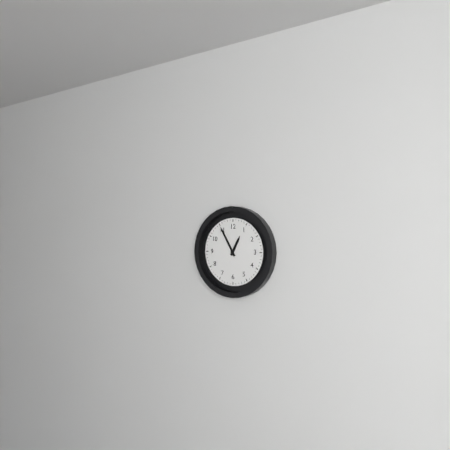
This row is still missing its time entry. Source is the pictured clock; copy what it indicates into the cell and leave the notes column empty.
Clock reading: 12:55
